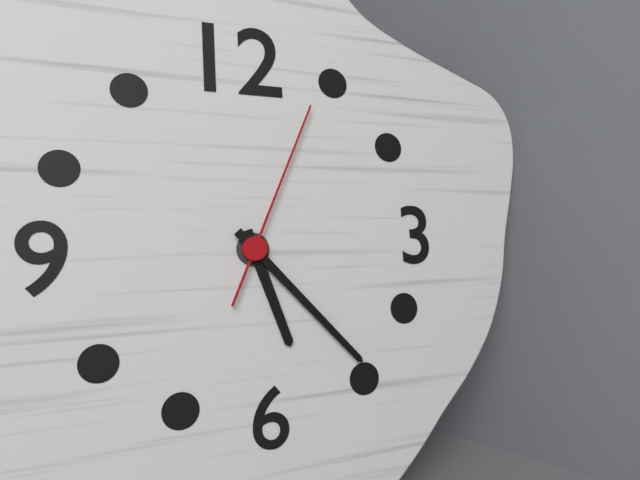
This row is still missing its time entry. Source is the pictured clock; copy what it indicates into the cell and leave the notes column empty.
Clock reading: 5:23:04
